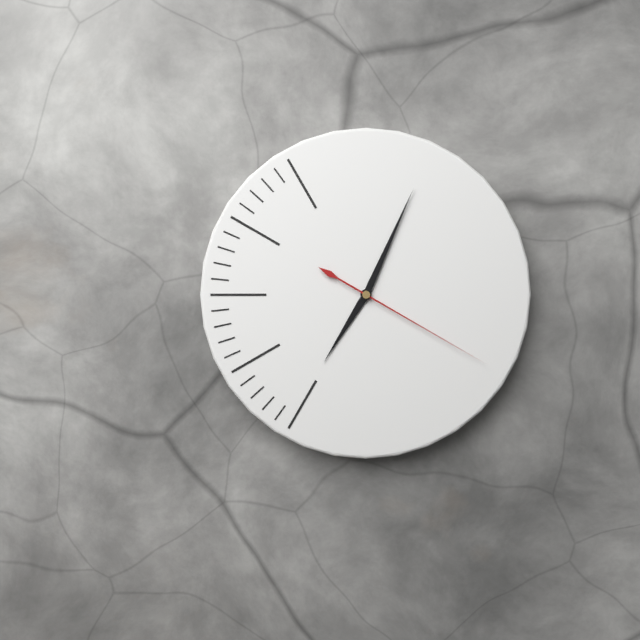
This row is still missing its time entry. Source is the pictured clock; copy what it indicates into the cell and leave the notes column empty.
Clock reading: 7:04:20
